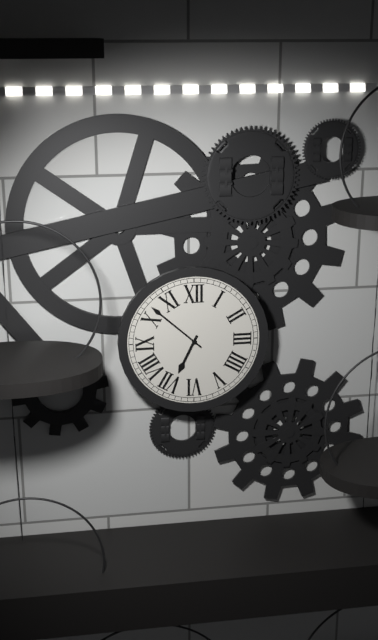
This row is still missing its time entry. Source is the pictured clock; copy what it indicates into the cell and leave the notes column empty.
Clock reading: 6:52
